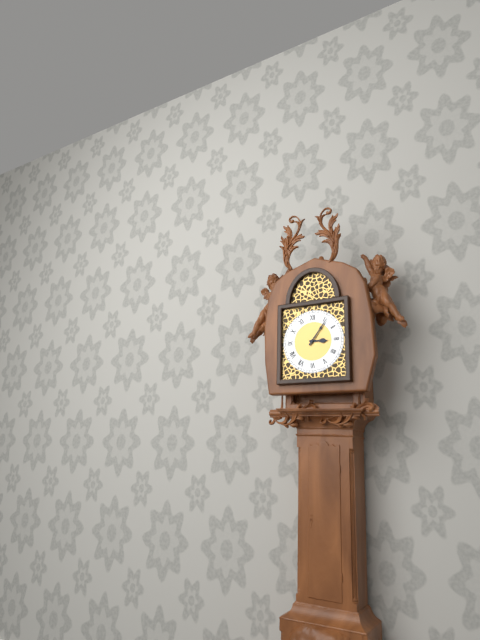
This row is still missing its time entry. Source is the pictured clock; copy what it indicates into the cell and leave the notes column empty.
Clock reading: 3:06
